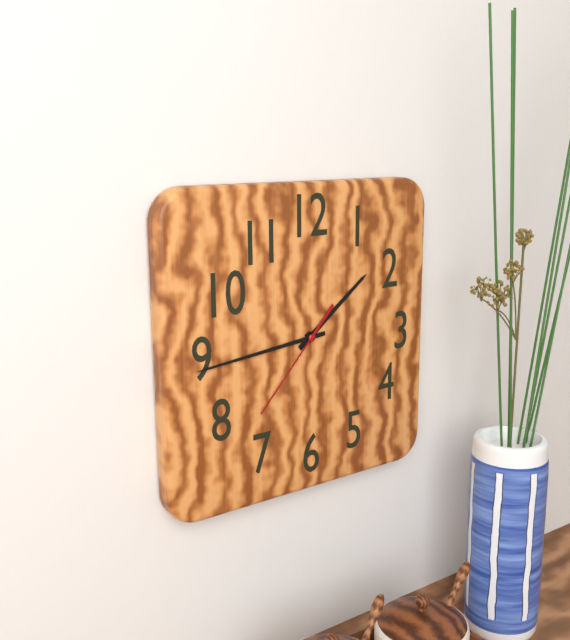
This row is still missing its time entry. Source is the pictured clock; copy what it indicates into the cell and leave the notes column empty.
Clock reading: 1:44:37
